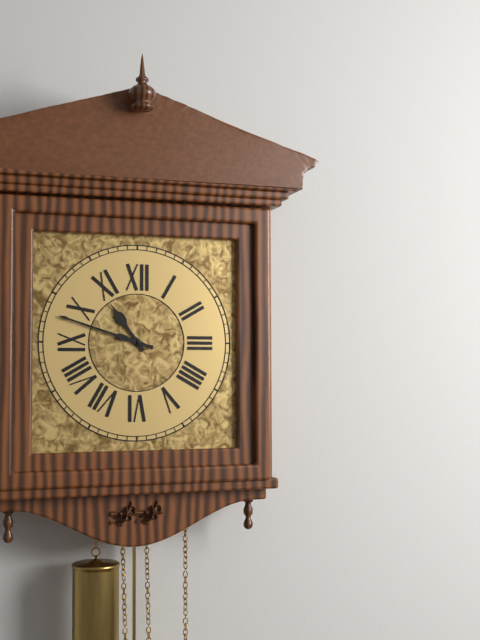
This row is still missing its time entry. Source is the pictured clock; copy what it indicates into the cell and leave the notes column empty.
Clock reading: 10:48
